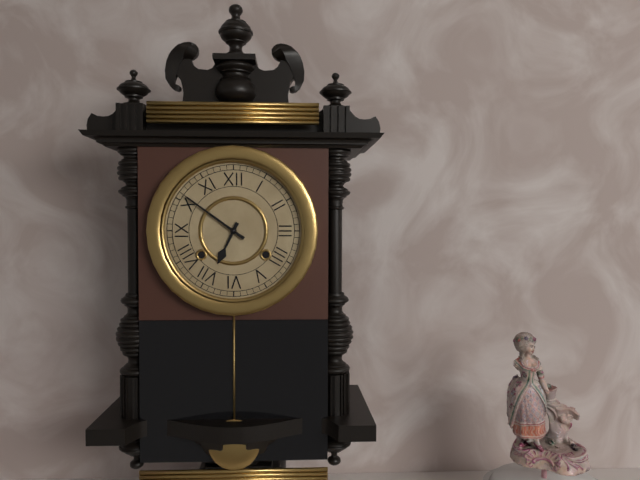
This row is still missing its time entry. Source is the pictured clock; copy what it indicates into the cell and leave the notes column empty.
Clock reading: 6:51
